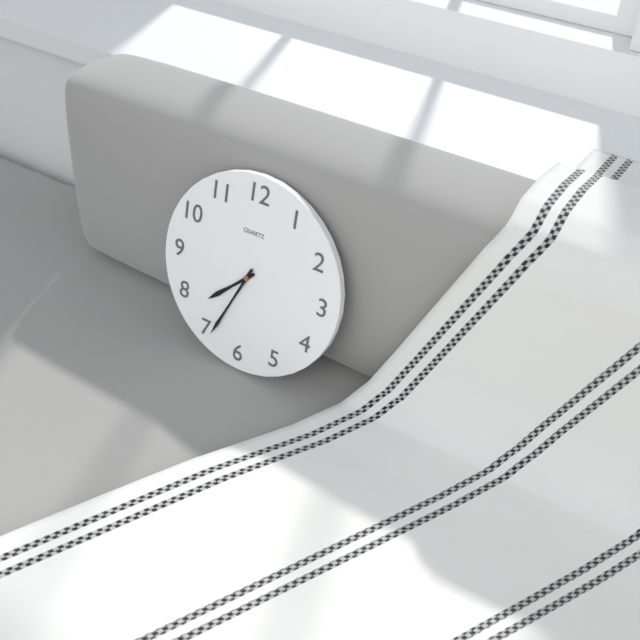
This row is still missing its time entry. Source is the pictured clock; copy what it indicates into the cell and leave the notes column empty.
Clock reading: 7:34
